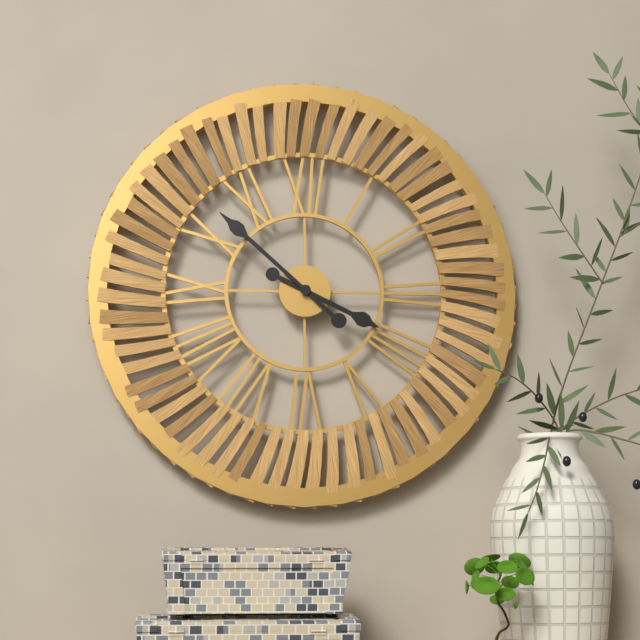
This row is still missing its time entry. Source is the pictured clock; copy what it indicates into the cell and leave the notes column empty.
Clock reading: 3:52
